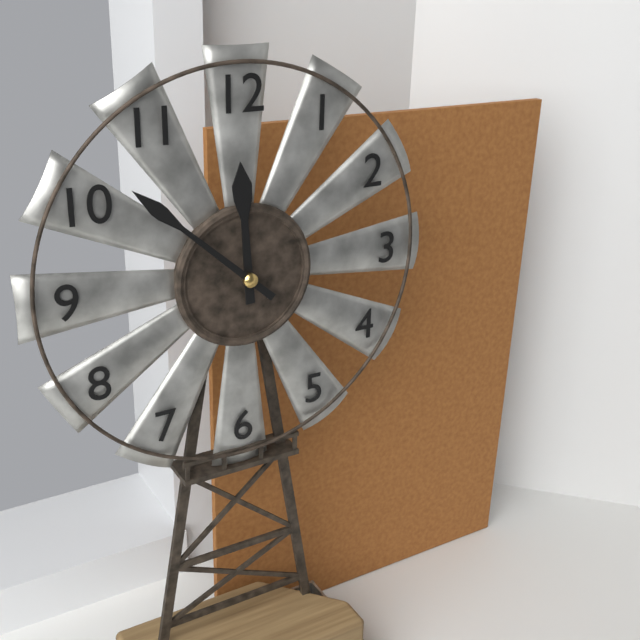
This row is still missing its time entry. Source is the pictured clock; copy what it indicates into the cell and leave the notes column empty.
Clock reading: 11:52
